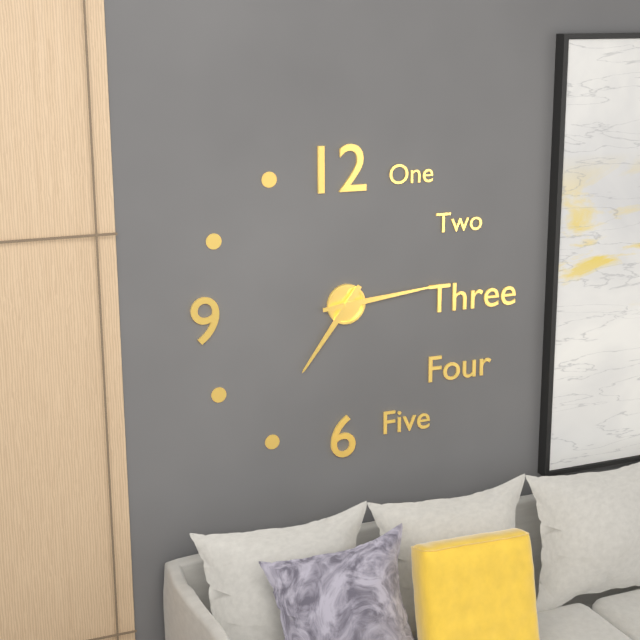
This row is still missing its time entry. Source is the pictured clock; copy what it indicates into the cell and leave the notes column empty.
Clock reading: 7:14
